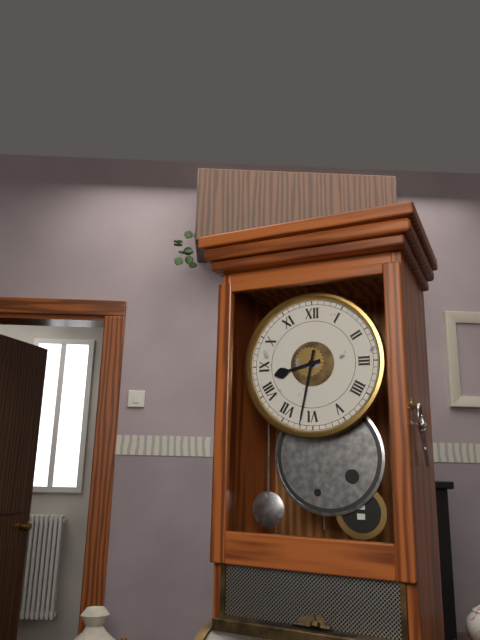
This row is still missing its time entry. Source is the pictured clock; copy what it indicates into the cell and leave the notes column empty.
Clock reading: 8:32
